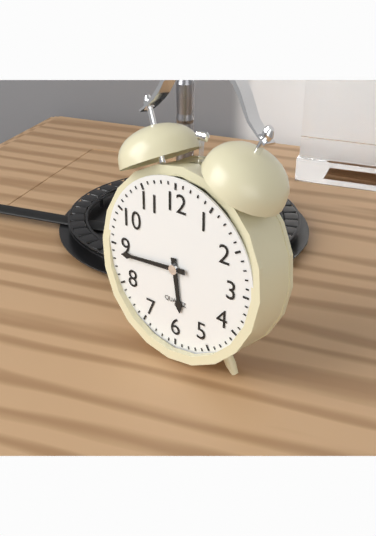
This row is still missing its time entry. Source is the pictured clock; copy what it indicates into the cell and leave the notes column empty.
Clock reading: 5:44
